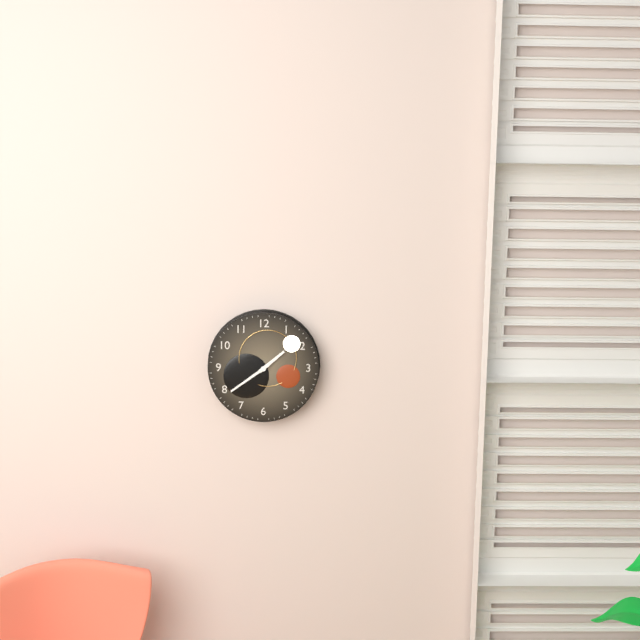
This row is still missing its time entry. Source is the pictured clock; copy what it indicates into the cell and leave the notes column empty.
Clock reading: 1:39
